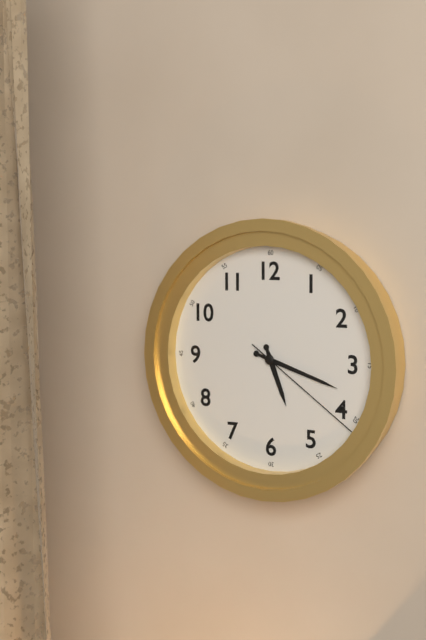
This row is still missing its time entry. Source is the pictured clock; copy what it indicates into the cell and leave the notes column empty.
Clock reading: 5:18:21
